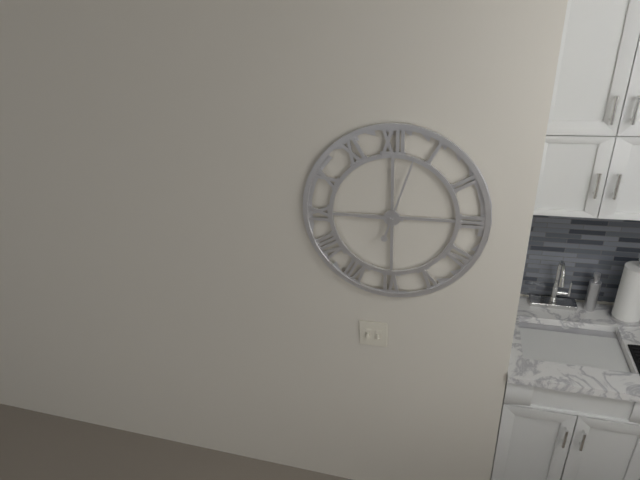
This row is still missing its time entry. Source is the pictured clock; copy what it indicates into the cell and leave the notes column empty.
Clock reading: 9:03
